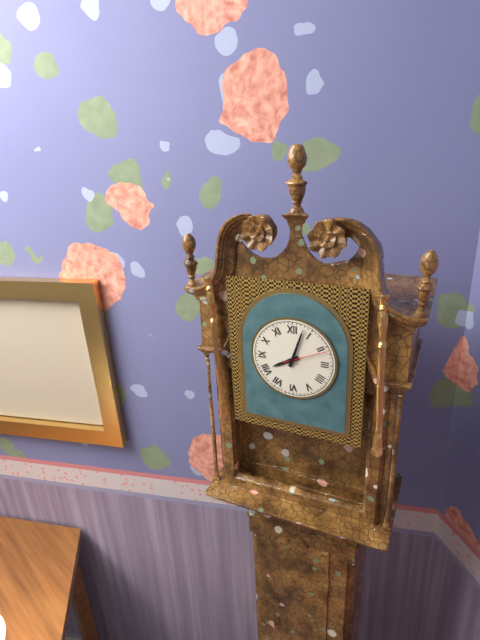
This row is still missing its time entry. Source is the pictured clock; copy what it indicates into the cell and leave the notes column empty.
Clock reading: 8:03
